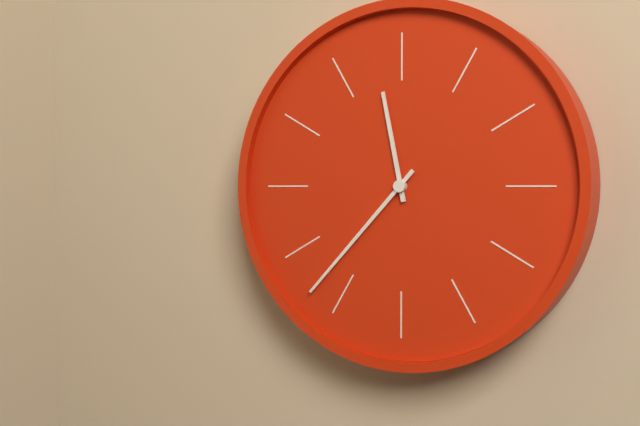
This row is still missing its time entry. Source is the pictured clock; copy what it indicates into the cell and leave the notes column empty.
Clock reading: 11:37
